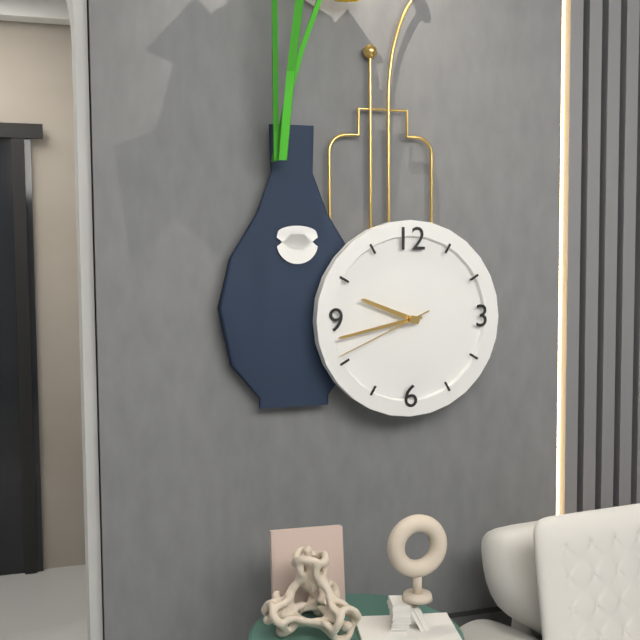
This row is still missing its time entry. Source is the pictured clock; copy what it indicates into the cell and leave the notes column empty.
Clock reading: 9:43:41
